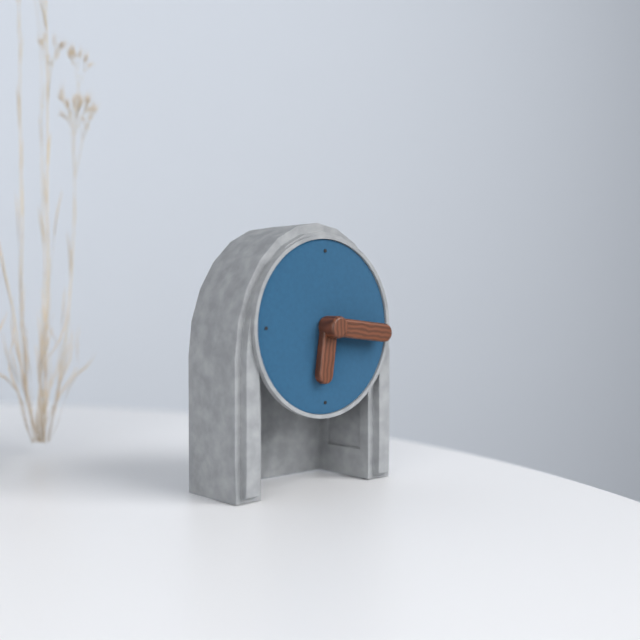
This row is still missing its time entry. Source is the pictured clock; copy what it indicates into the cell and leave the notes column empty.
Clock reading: 6:16
